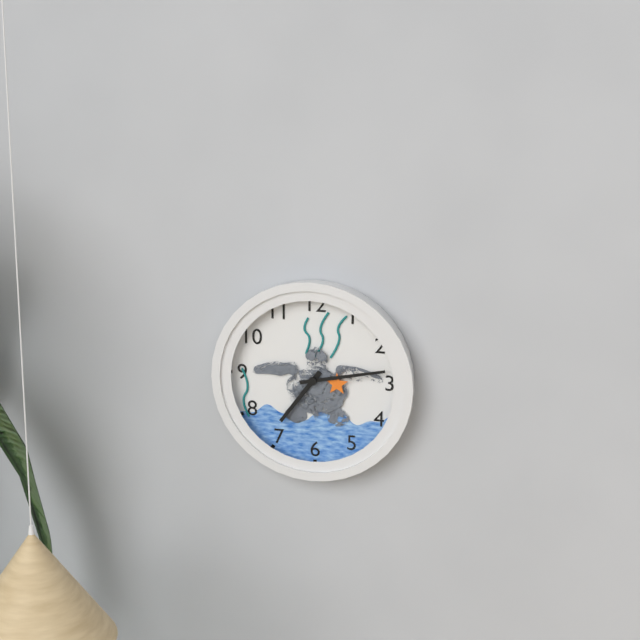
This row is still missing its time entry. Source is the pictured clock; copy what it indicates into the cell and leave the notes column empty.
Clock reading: 7:13
